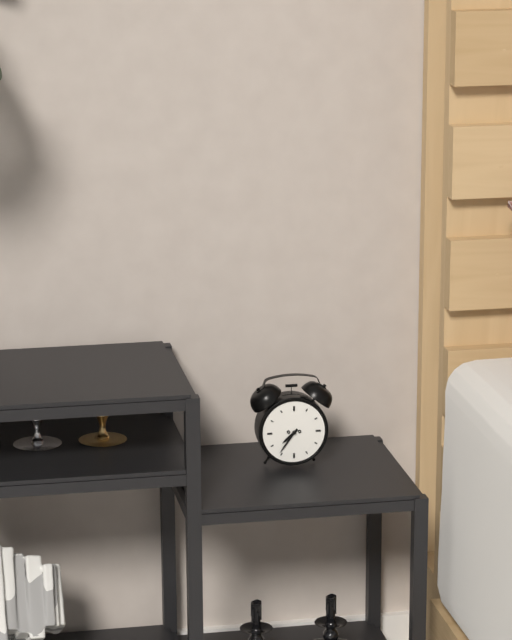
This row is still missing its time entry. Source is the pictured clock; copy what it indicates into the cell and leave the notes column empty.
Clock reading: 7:36
